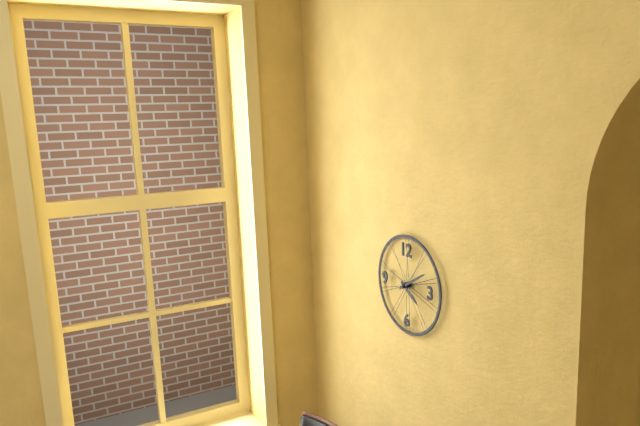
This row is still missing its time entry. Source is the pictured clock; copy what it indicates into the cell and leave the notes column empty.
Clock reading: 4:10
